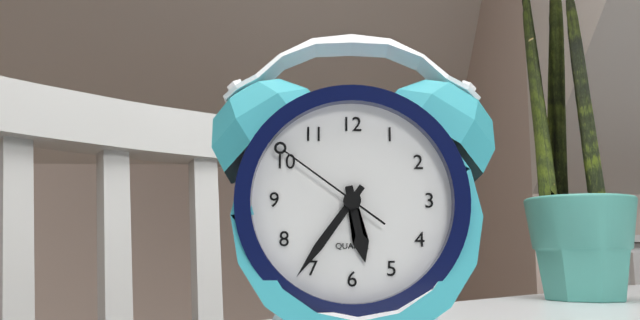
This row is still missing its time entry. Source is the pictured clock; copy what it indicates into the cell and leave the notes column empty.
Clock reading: 5:36:51
